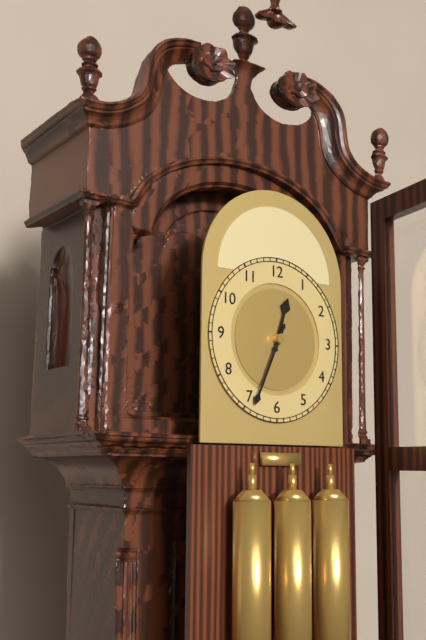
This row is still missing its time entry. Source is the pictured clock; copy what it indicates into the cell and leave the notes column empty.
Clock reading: 12:34
